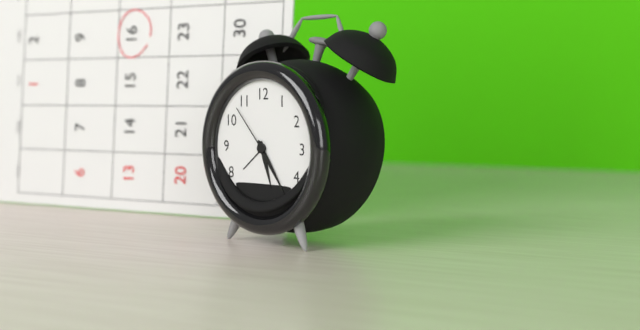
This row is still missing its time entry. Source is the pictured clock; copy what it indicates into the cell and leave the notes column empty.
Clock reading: 5:24:53
